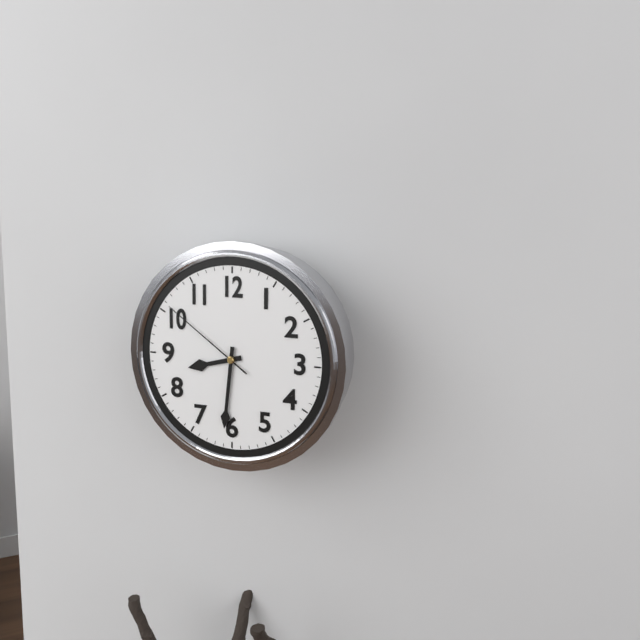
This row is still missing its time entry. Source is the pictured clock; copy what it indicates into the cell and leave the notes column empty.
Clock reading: 8:31:51
